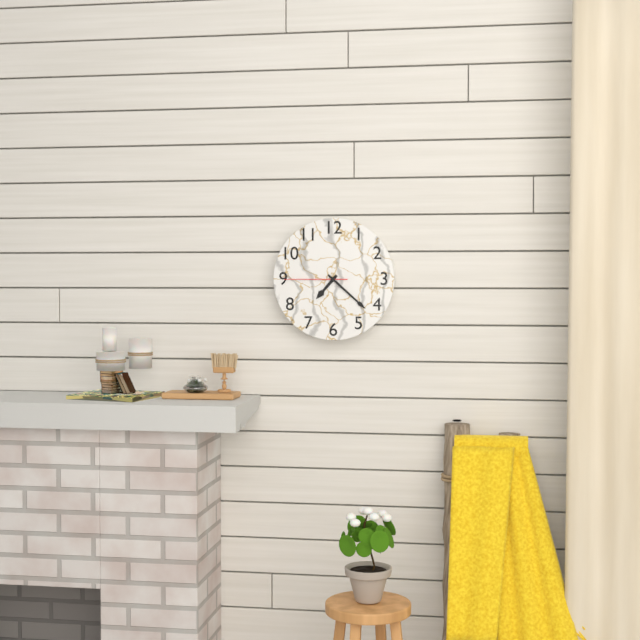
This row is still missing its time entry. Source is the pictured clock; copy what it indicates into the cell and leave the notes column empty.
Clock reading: 7:22:45
